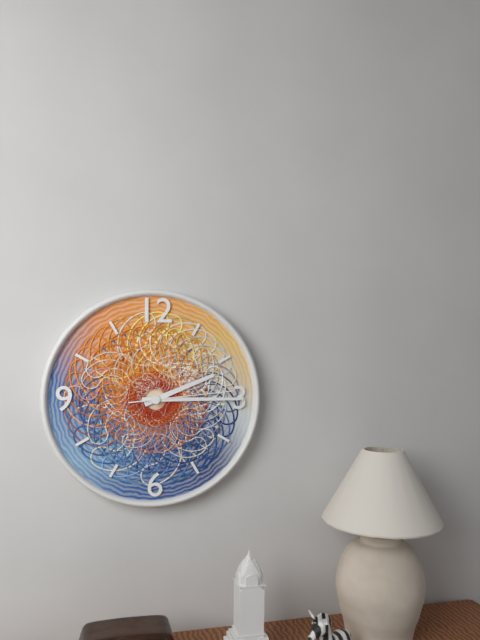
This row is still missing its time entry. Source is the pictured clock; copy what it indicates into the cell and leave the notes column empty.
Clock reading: 2:15:14
